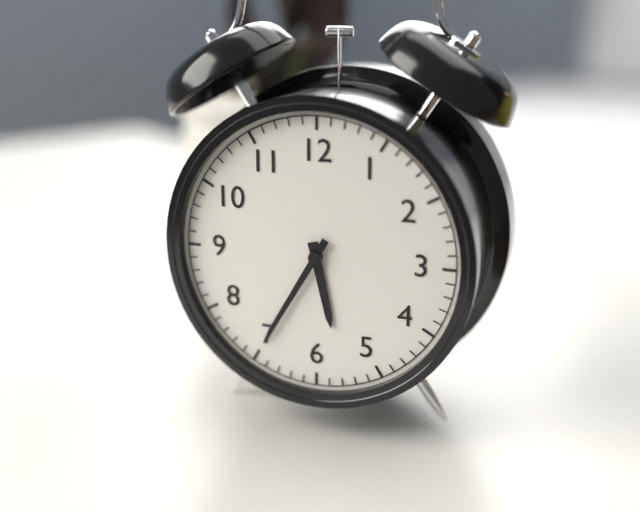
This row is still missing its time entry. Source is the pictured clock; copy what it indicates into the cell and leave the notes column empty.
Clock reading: 5:35
